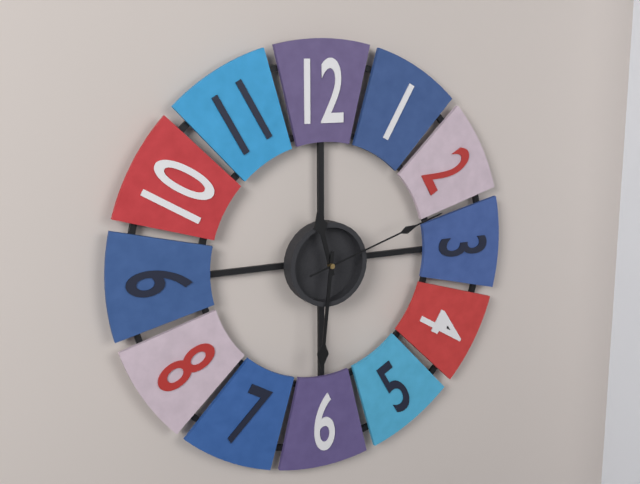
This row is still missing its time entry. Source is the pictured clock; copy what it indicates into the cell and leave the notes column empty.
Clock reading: 11:31:12
